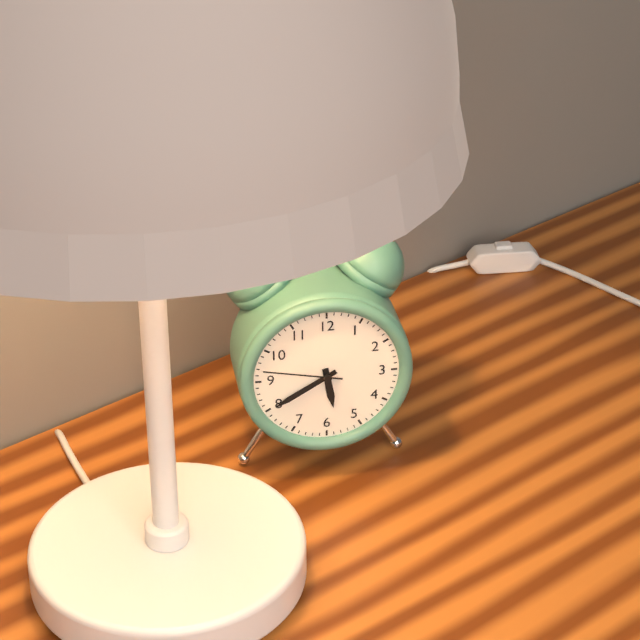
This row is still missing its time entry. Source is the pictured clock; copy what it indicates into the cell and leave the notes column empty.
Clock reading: 5:40:47
